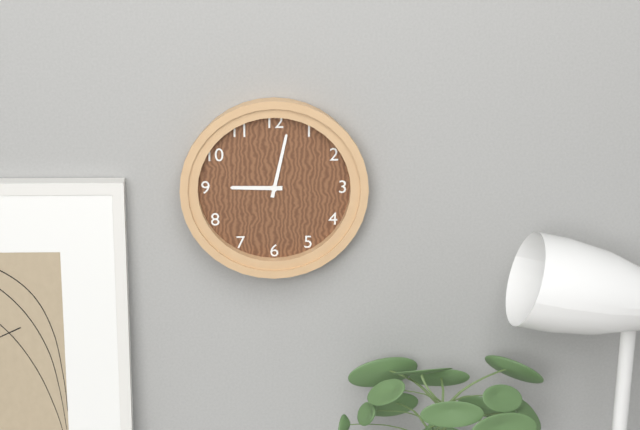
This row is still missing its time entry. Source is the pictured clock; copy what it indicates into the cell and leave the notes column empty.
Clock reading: 9:02
